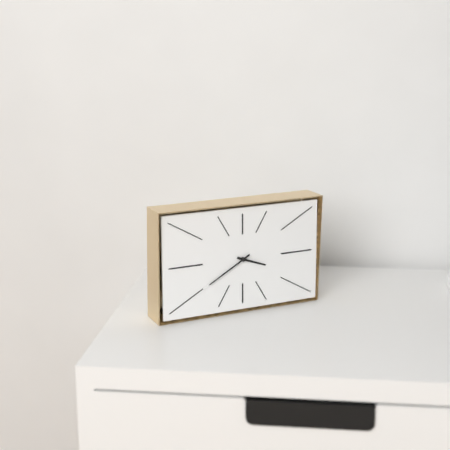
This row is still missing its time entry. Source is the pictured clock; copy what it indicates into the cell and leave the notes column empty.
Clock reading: 3:40
